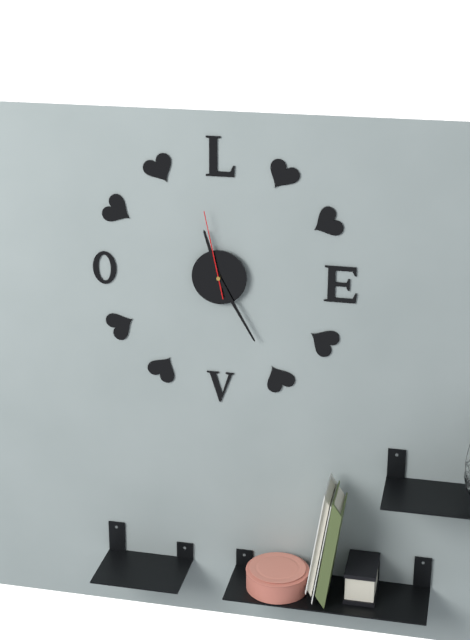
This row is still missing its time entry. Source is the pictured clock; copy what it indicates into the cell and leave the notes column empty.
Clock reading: 11:25:58
